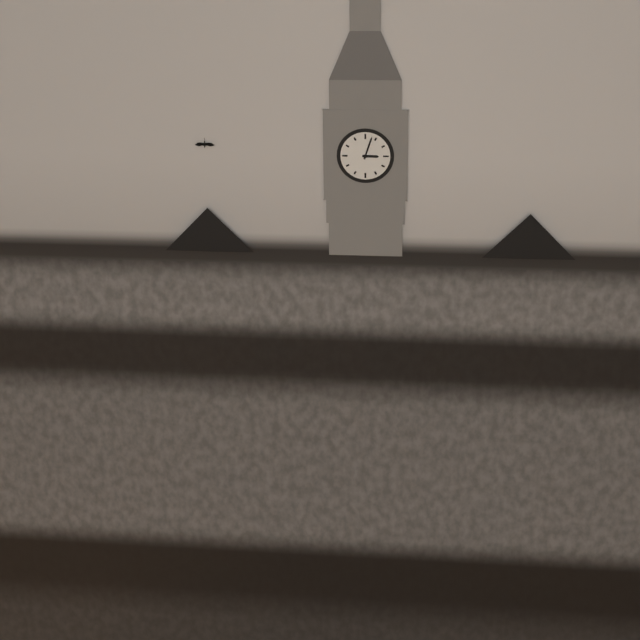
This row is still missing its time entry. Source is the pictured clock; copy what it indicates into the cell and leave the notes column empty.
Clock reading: 3:03
